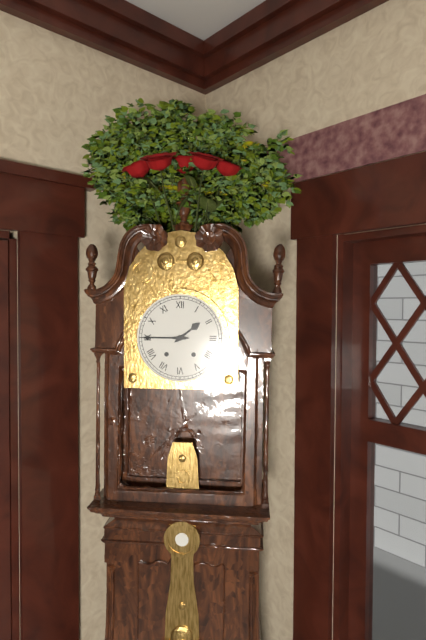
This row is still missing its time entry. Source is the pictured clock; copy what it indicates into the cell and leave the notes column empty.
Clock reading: 1:45
